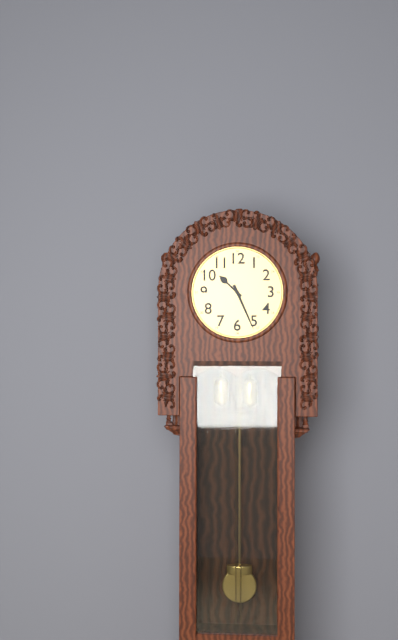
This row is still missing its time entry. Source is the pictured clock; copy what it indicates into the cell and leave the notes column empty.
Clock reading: 10:26
